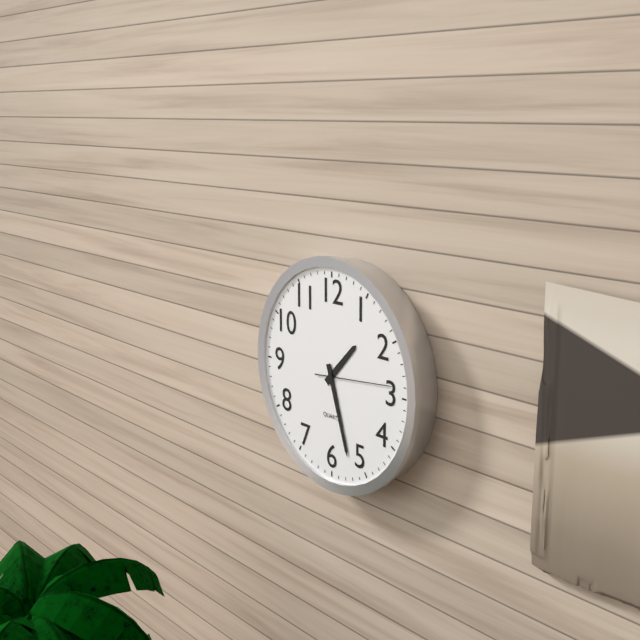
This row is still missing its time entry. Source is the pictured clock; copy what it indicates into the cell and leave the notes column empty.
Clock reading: 1:27:14
